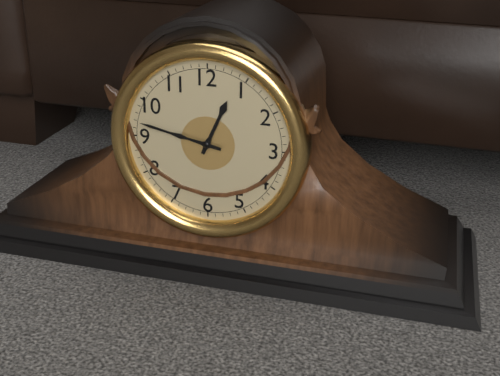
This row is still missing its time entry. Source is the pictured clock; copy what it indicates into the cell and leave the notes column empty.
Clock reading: 12:47
